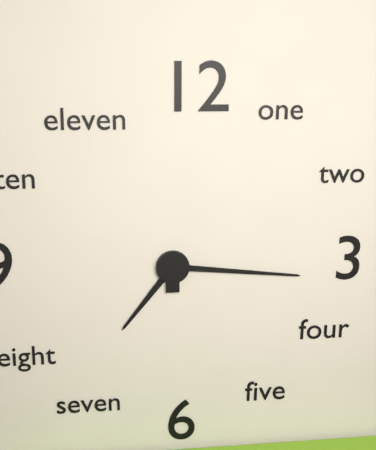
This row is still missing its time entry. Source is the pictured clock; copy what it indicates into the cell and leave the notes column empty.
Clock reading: 7:16
